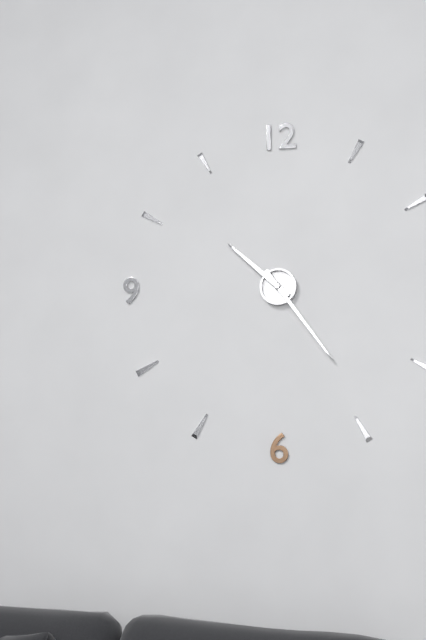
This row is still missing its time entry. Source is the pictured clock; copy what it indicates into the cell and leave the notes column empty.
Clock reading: 10:24
